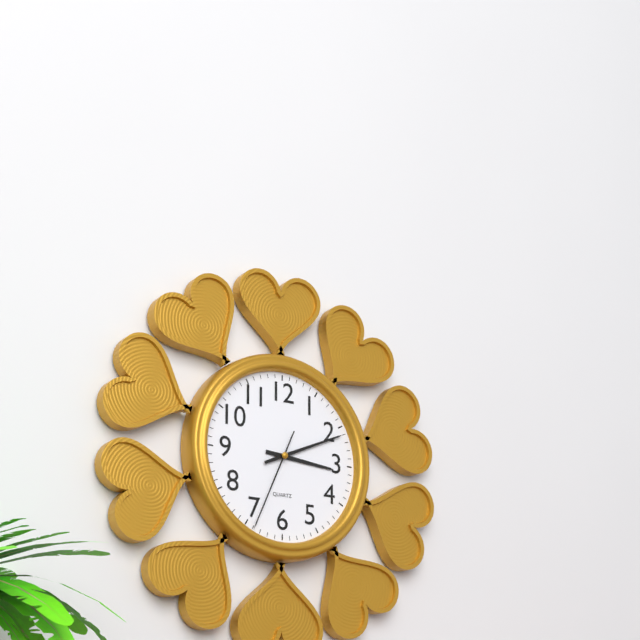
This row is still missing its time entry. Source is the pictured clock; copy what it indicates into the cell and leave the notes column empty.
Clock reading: 3:11:34
